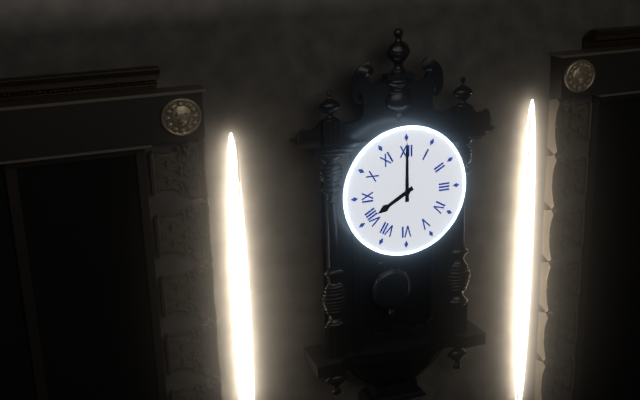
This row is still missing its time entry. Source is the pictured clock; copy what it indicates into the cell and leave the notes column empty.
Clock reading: 8:00
